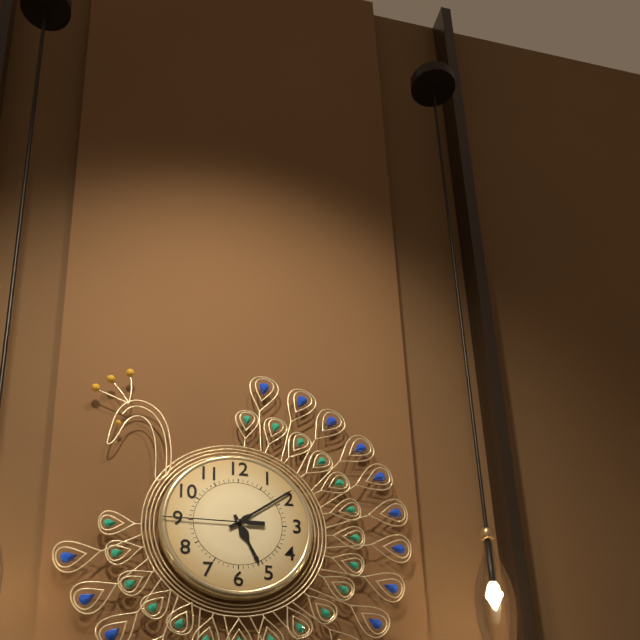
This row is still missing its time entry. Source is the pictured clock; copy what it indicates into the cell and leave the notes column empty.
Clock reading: 5:09:45
